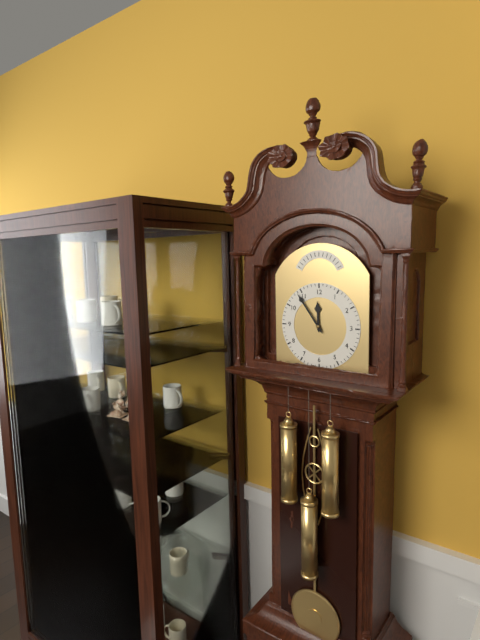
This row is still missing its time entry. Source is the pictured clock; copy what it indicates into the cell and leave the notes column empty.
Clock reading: 11:54
